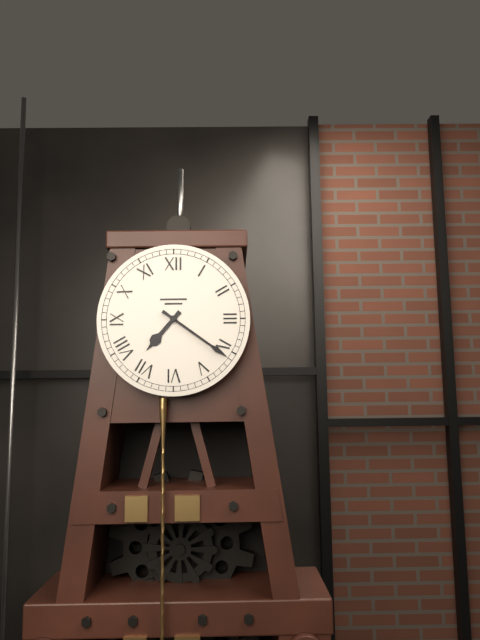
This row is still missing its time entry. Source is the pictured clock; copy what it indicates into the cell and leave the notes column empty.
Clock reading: 7:21
